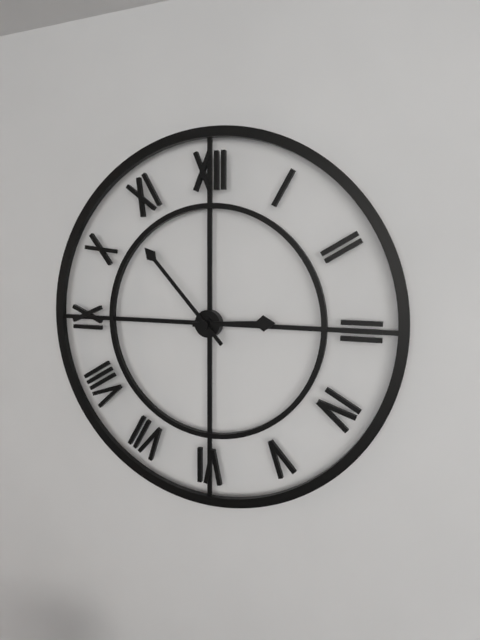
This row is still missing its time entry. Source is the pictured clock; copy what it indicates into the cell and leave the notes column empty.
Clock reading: 2:53
